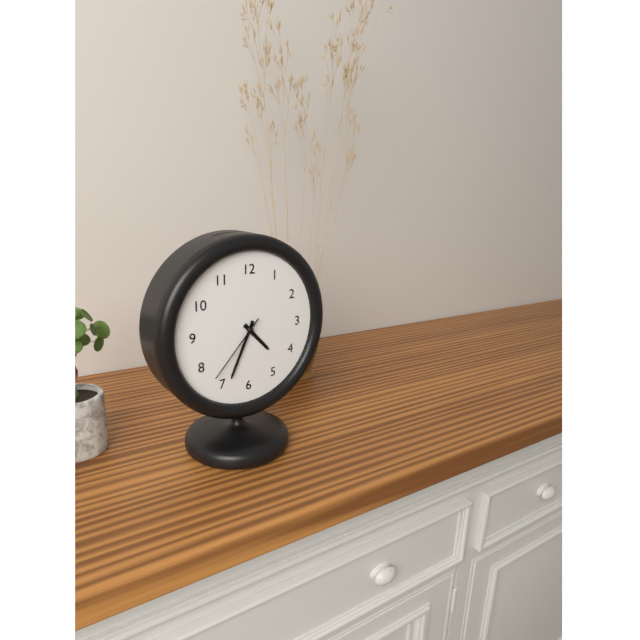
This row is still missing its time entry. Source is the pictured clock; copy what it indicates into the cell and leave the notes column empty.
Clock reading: 4:34:37
